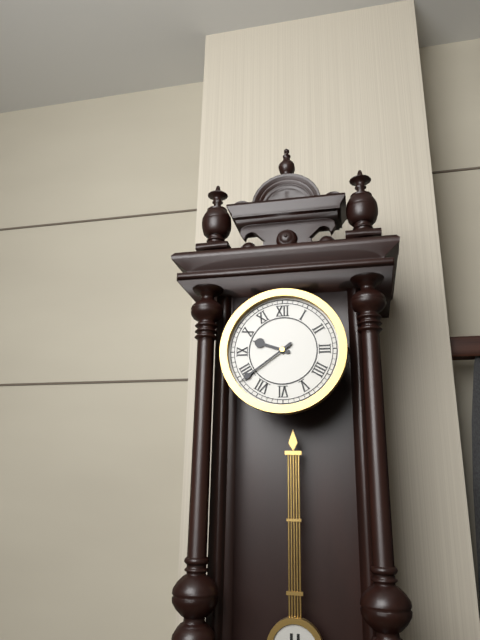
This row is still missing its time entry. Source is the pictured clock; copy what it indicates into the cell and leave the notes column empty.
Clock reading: 9:39
